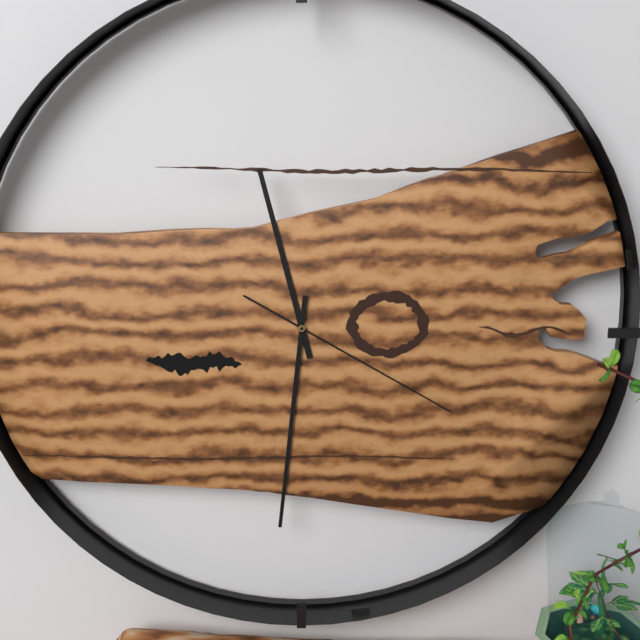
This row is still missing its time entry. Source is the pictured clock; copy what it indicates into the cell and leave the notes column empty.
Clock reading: 11:31:20
